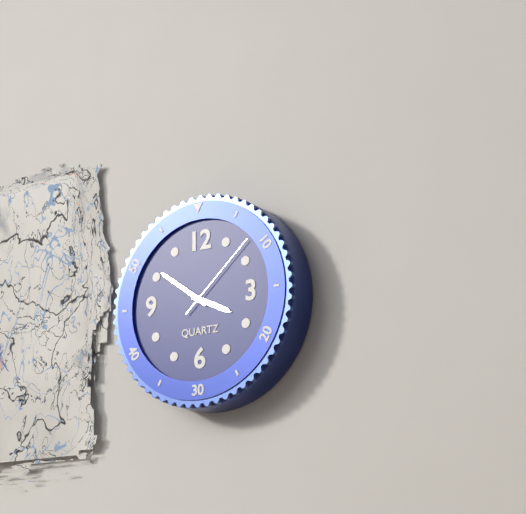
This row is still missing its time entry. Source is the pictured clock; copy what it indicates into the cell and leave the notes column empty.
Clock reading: 3:51:08
